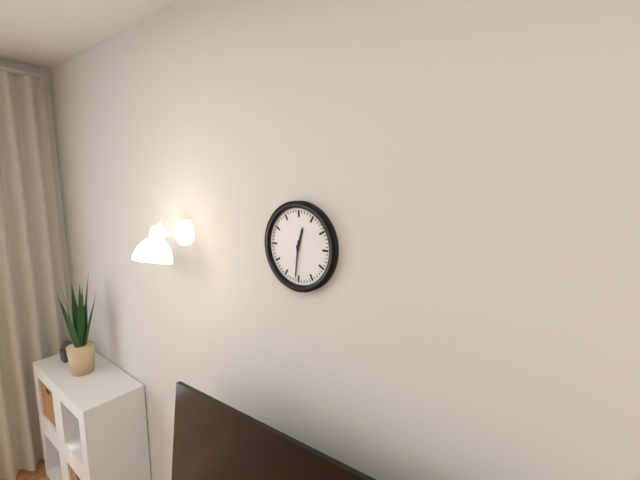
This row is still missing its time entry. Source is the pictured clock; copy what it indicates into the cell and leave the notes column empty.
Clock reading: 12:31
